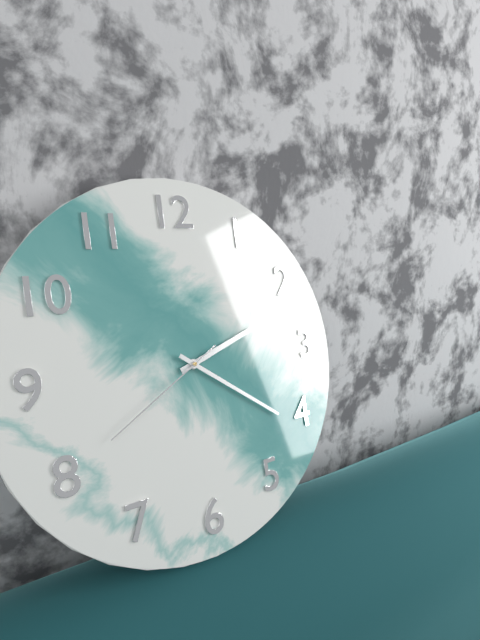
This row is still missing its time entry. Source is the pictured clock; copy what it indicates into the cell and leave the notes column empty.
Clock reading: 2:21:40
